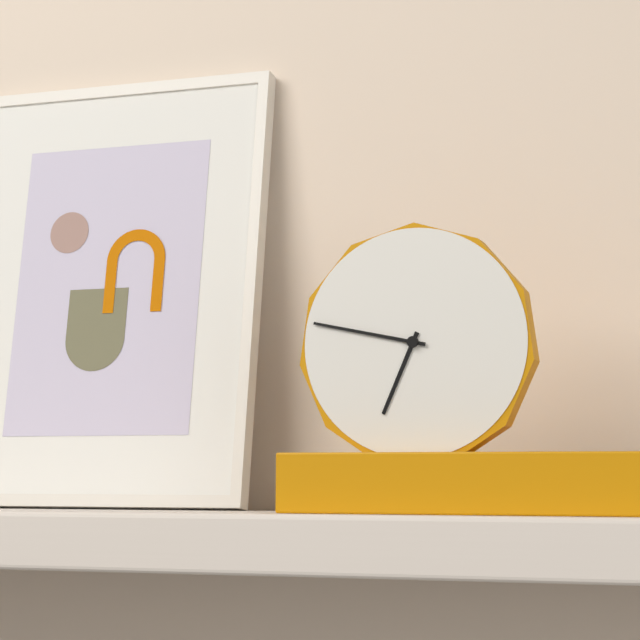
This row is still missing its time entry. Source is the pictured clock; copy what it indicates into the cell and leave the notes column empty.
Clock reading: 6:47
